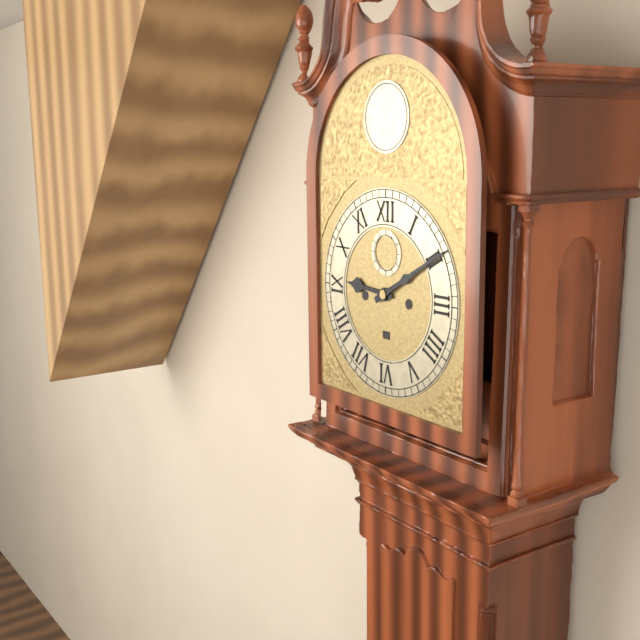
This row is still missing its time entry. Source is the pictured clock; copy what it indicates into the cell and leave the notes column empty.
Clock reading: 9:10
